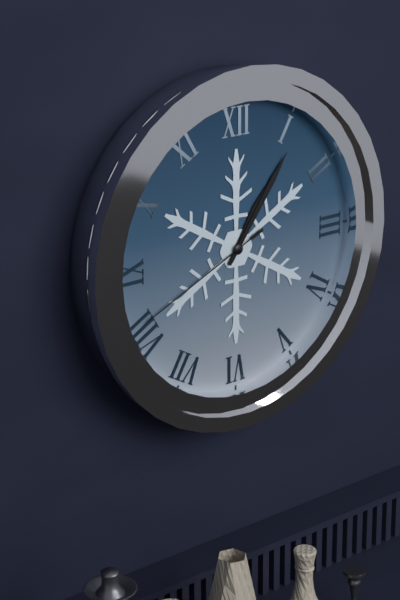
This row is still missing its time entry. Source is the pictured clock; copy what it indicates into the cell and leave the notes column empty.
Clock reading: 1:06:41
